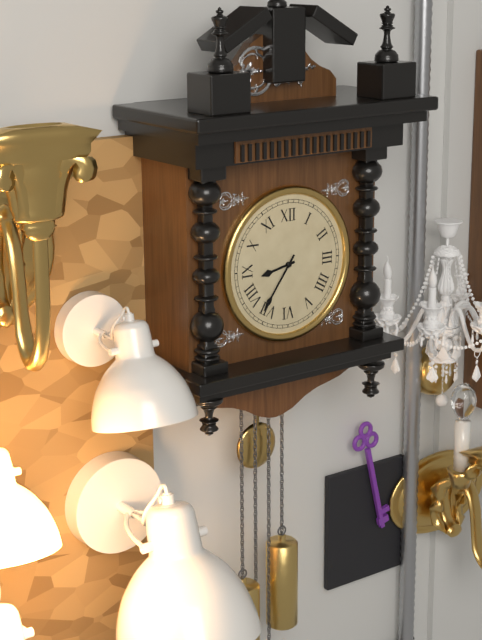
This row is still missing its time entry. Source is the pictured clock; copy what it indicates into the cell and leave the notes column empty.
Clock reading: 8:36
